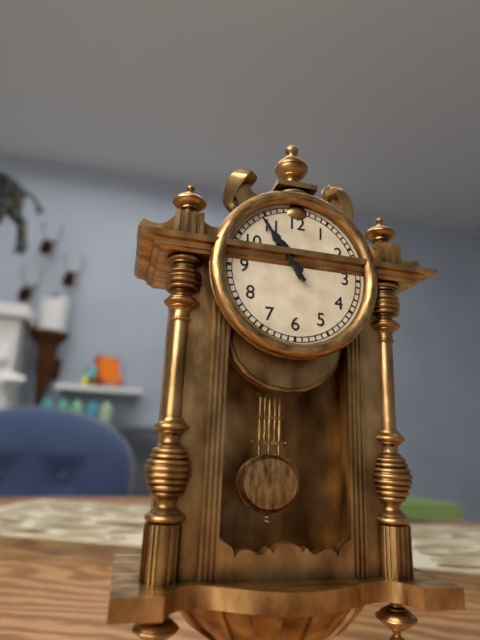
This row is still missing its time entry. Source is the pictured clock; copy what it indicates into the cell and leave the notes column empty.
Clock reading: 10:54
